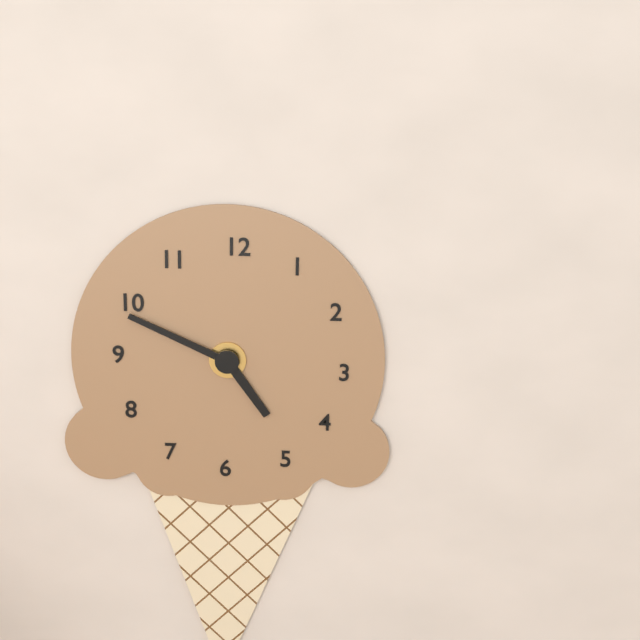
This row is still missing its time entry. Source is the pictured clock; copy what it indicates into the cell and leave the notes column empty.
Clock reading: 4:49
